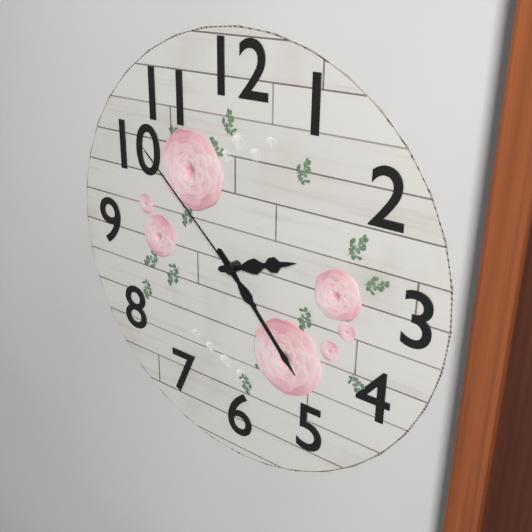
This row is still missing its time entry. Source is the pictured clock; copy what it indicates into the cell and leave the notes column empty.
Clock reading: 2:23:52
